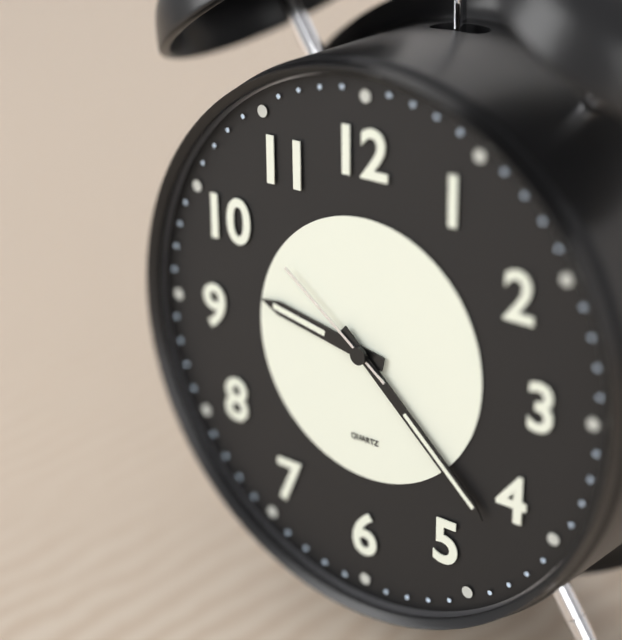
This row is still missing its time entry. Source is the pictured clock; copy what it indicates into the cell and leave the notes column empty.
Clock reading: 9:22:51
